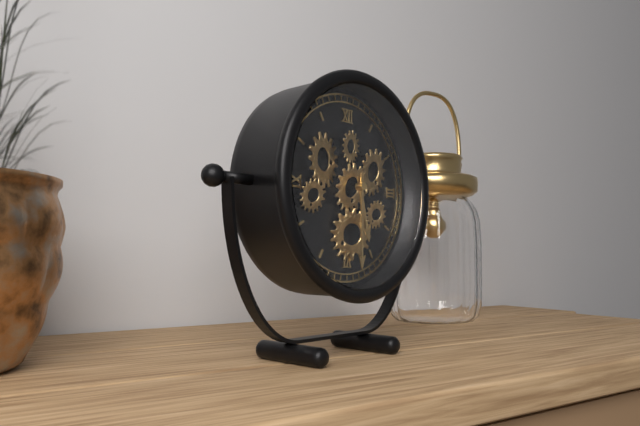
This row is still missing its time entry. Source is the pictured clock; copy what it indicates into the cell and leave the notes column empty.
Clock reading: 5:30
